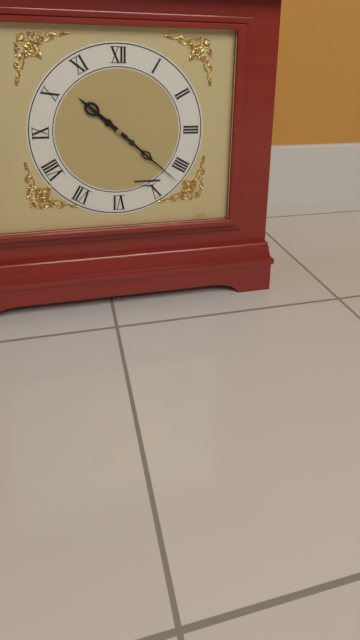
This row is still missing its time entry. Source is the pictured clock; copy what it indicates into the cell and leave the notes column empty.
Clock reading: 10:22
